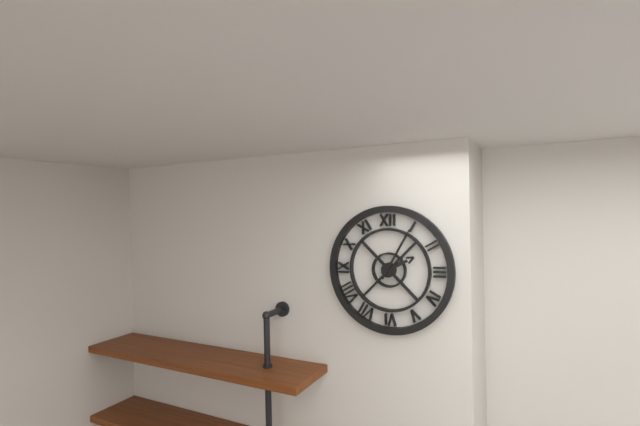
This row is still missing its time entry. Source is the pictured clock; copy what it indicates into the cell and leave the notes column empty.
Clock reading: 2:05
